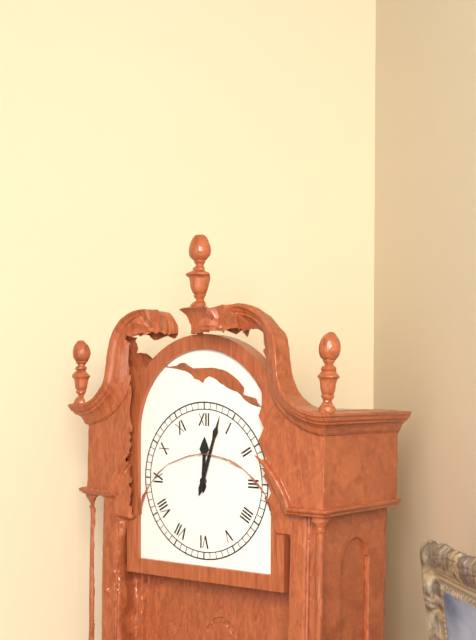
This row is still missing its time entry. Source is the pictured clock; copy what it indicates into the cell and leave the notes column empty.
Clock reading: 12:03
